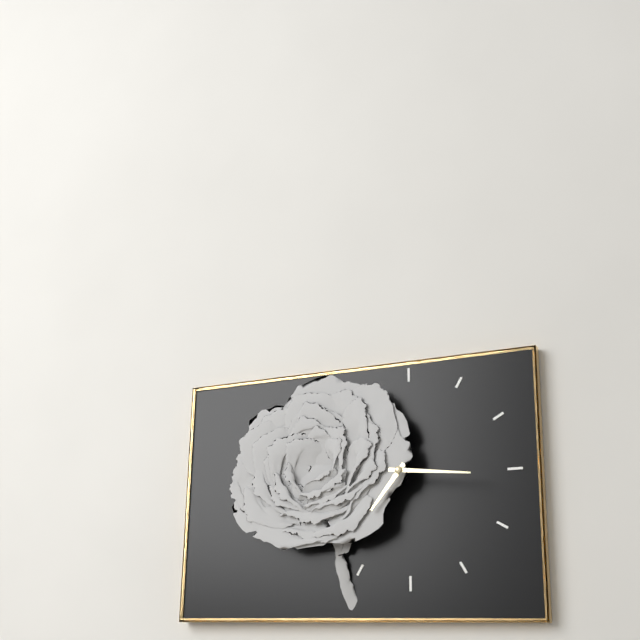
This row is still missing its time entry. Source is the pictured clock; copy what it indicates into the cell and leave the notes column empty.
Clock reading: 7:16
